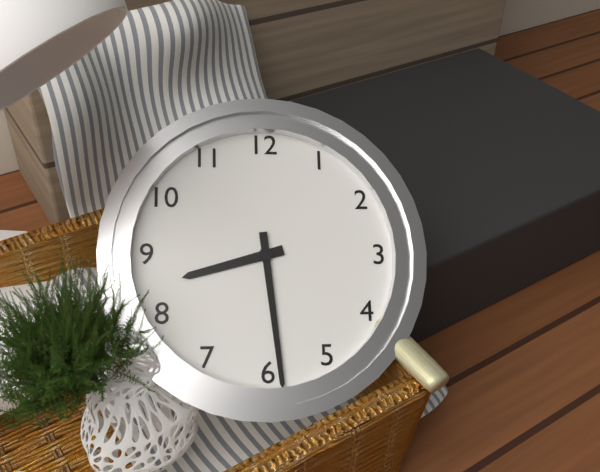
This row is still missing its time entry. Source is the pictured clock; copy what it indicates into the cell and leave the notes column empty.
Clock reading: 8:29
